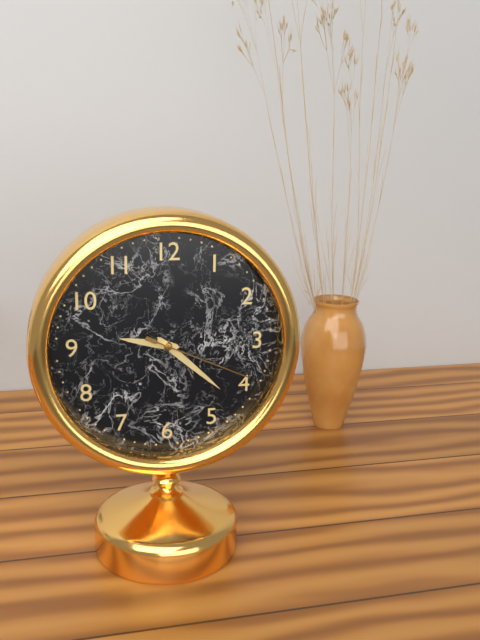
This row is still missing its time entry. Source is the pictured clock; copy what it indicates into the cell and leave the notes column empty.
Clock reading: 9:22:19
